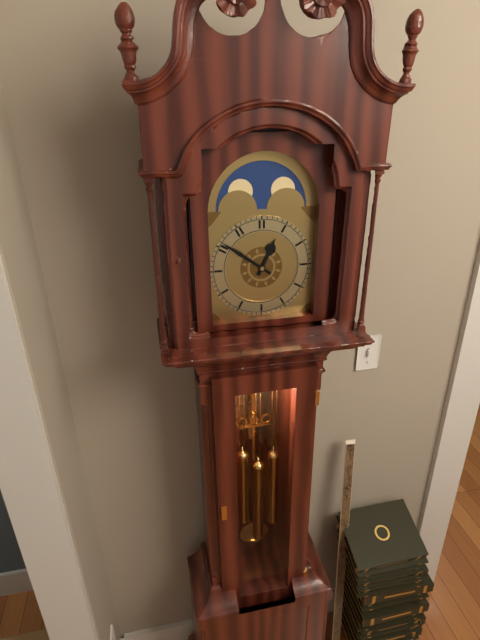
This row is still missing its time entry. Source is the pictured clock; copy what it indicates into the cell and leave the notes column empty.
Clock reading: 12:51
